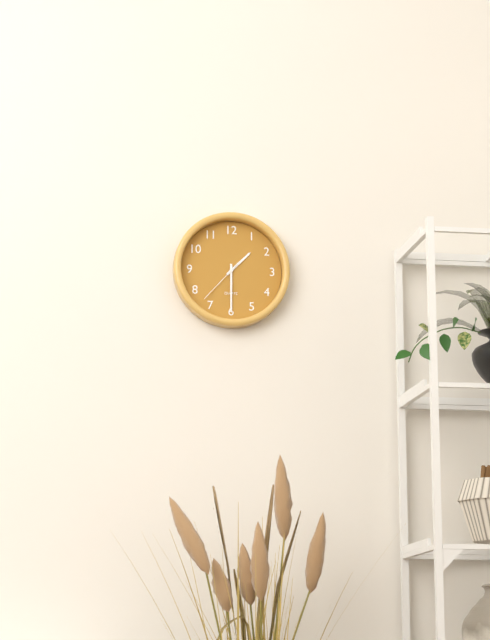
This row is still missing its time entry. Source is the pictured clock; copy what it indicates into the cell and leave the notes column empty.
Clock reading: 1:30
